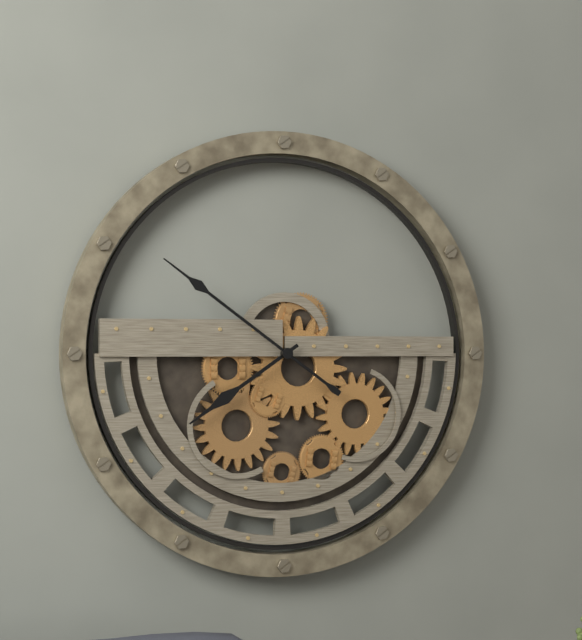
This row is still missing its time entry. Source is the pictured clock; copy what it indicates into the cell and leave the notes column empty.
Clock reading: 7:51
